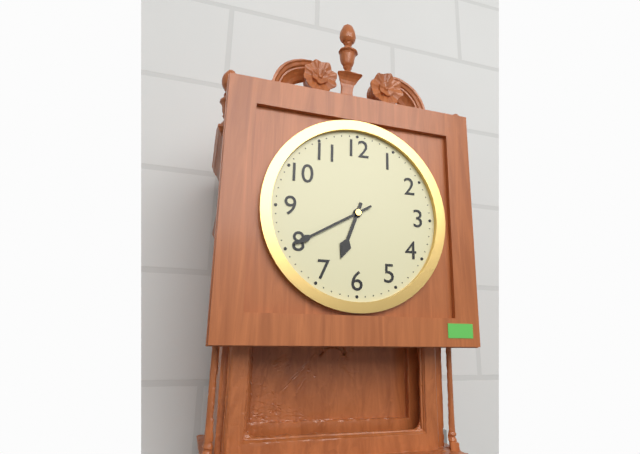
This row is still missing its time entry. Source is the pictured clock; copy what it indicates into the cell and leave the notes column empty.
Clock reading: 6:40
